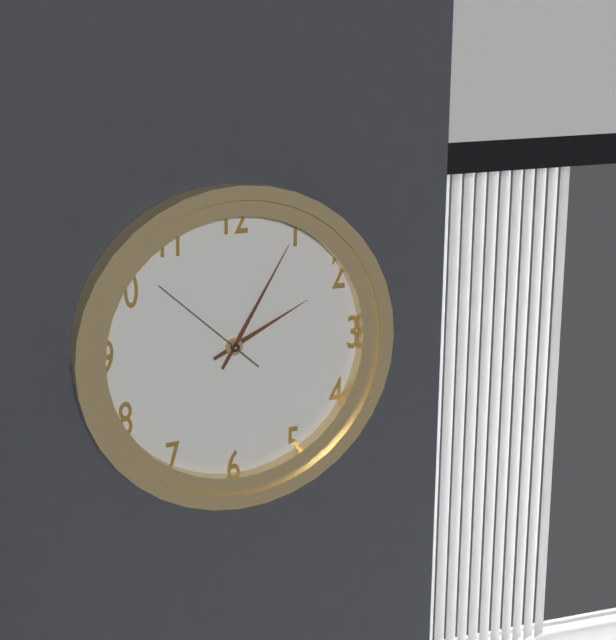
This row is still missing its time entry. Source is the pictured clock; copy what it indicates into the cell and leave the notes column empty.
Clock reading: 2:05:52
